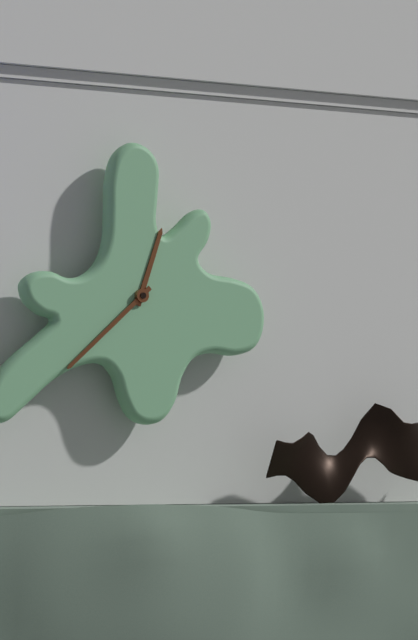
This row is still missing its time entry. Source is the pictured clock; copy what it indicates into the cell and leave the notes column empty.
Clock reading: 12:38
